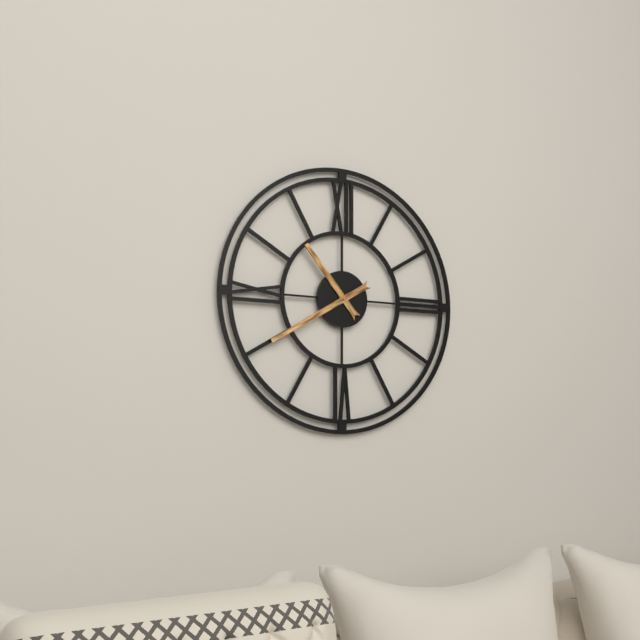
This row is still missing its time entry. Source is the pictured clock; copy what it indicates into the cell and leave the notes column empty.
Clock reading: 10:40
